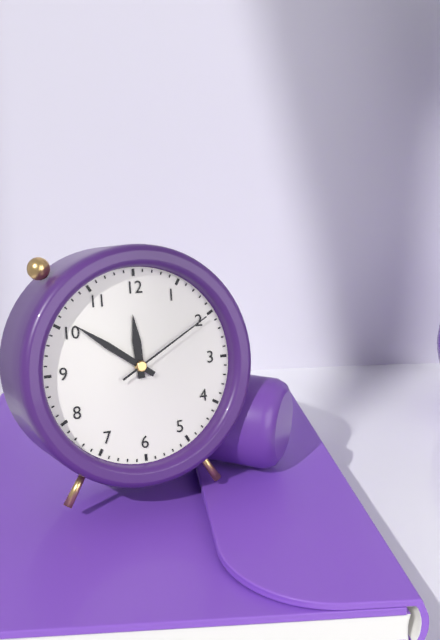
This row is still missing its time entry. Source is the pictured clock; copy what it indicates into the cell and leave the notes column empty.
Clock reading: 11:51:10
